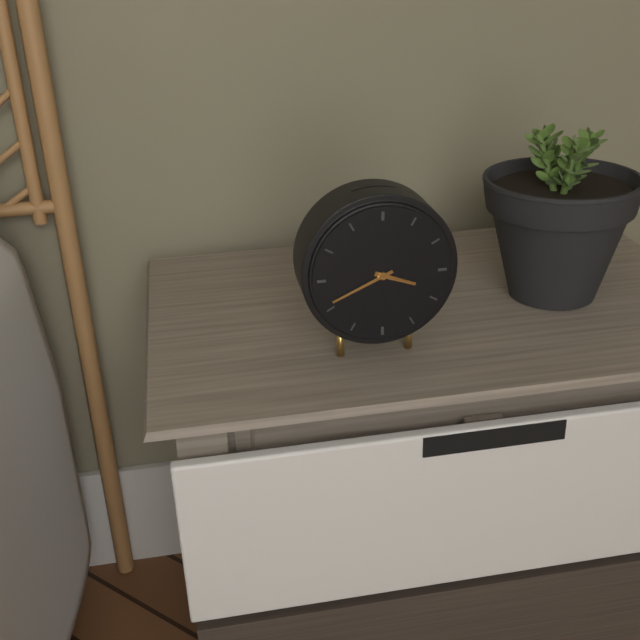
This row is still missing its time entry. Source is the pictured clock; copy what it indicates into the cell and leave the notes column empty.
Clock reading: 3:41
